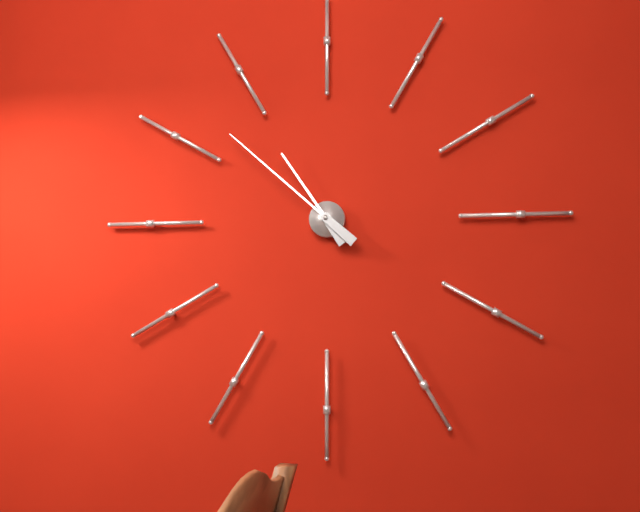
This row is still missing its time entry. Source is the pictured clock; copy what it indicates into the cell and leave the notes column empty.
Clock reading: 10:52
